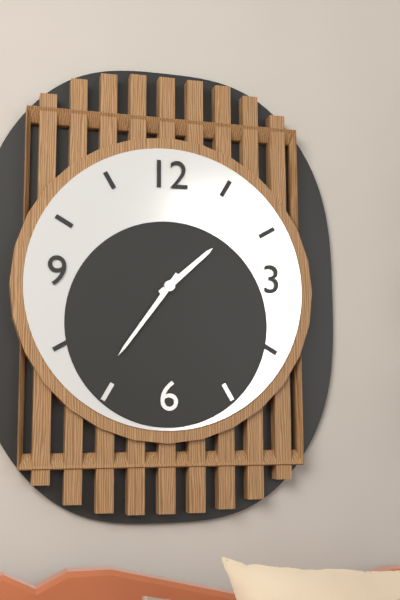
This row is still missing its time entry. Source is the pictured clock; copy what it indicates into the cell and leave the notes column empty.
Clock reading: 1:36
